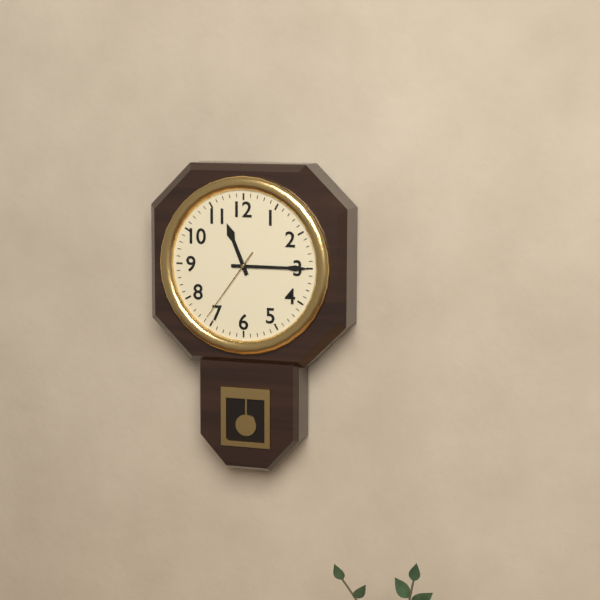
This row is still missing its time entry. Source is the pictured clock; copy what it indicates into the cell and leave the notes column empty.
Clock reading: 11:15:36
